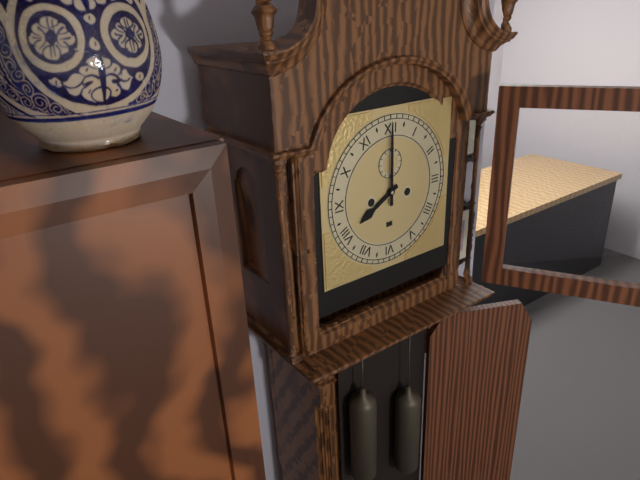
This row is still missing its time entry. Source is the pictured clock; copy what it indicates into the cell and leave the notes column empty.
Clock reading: 8:00
